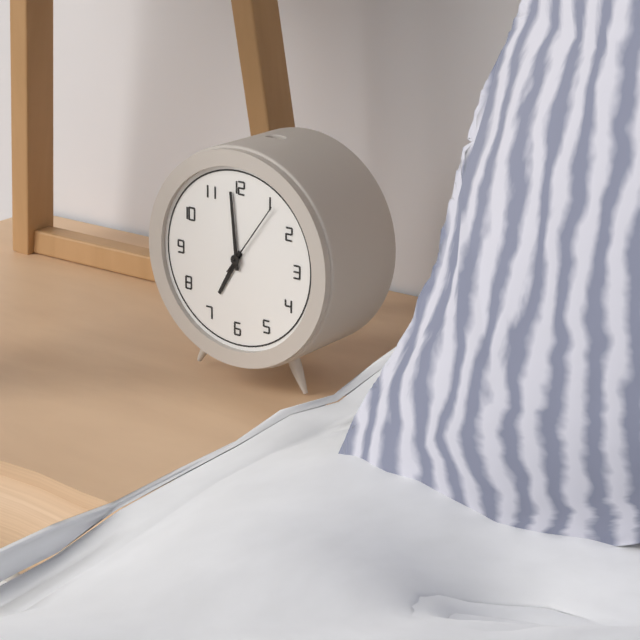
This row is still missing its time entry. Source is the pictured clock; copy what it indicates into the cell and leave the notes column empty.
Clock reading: 6:59:06
